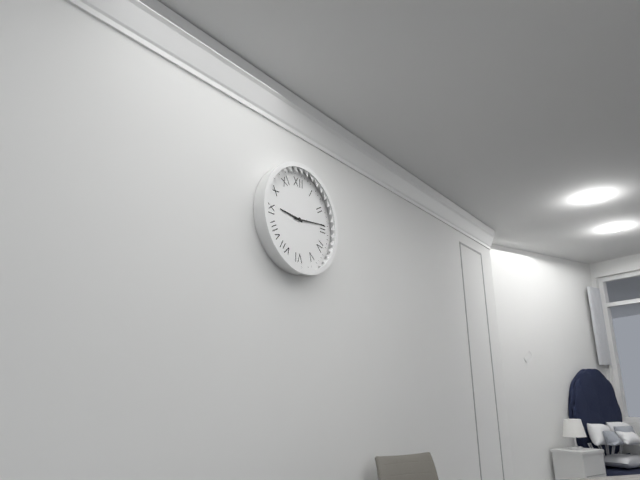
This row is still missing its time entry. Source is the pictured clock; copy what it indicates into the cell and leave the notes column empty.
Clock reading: 9:14
